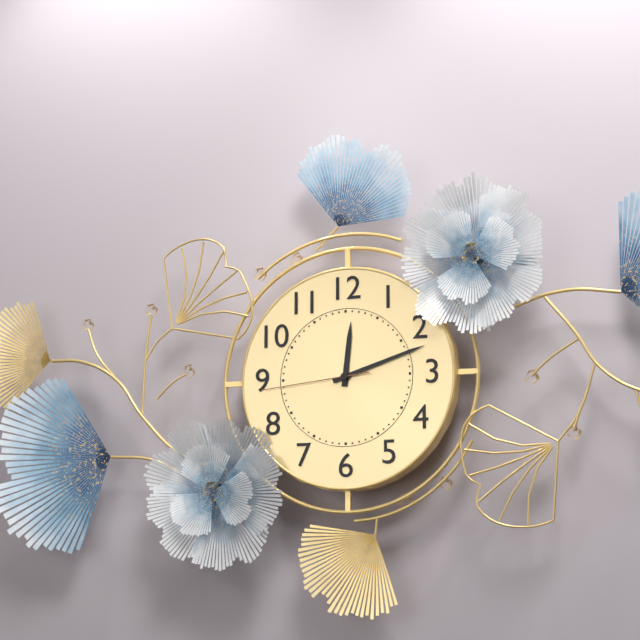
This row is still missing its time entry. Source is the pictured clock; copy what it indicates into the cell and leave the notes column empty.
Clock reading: 12:12:44
